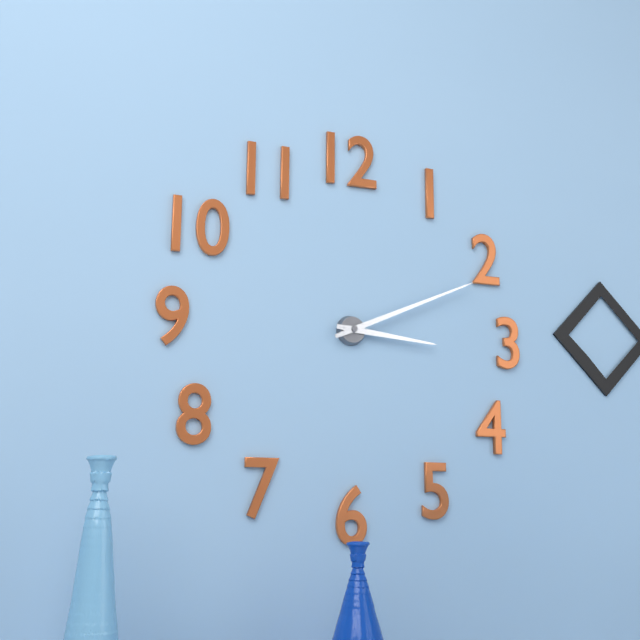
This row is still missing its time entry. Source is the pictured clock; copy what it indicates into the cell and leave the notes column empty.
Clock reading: 3:11
